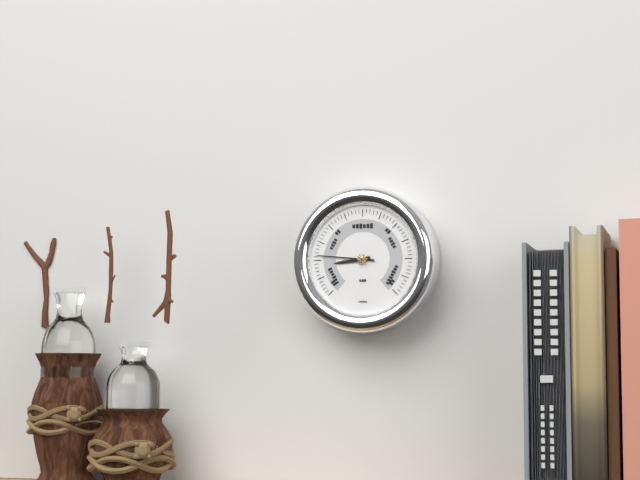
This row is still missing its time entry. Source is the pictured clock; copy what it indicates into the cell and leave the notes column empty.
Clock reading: 8:46
